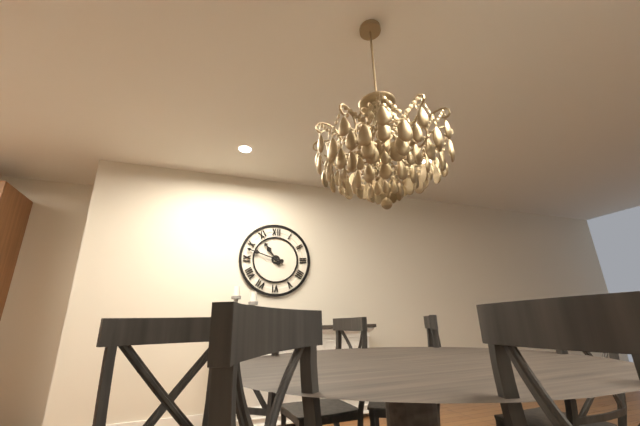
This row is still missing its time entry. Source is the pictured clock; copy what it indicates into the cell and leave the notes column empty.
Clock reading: 10:48
